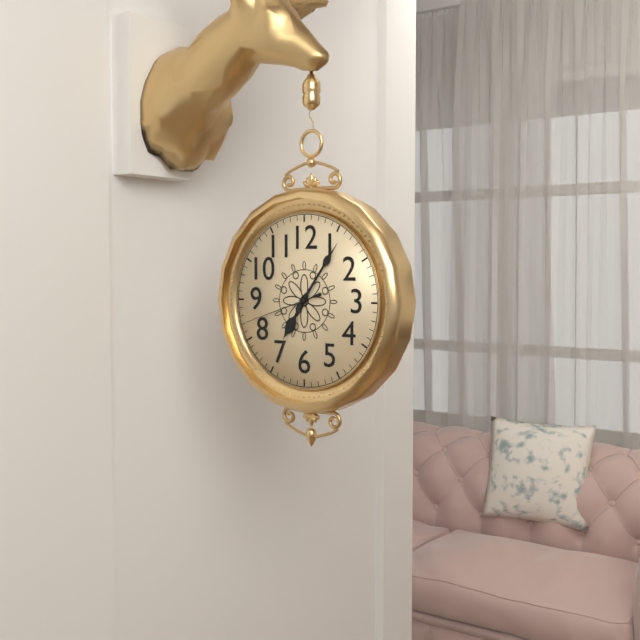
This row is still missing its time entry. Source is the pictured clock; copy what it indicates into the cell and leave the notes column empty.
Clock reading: 7:06:42
